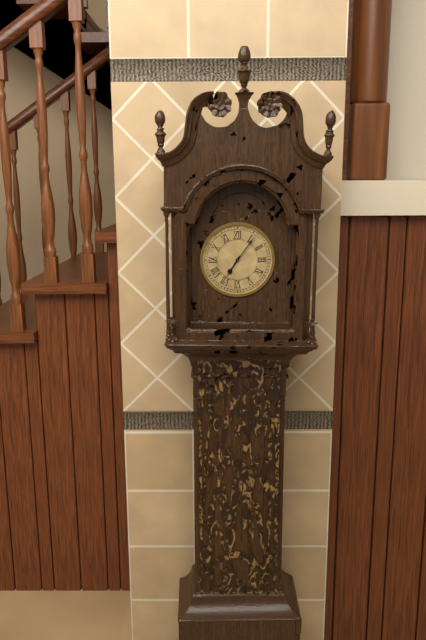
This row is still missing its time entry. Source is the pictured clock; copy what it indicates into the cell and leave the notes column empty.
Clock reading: 7:06
